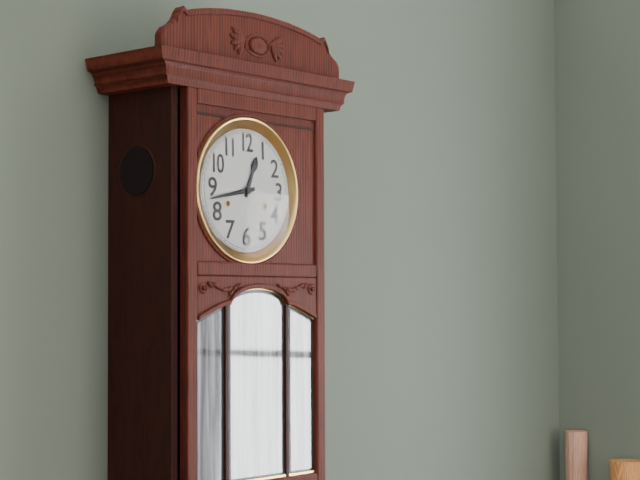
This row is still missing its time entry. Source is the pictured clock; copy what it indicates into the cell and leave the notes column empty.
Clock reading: 12:43
